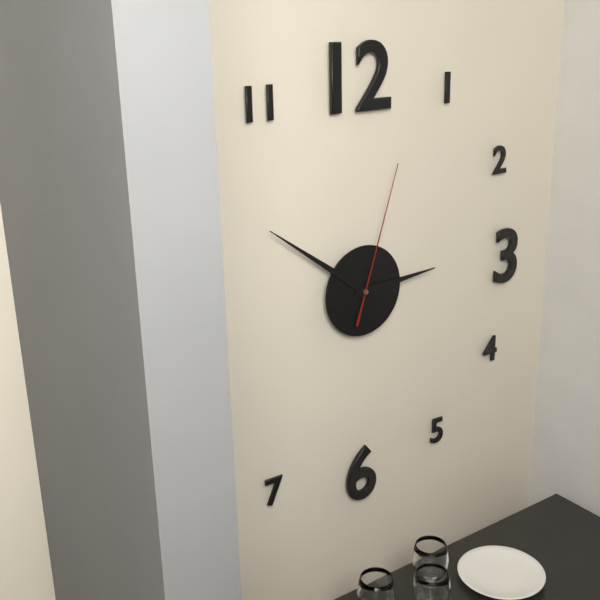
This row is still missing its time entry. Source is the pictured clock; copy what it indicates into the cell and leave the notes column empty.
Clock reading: 2:51:03
